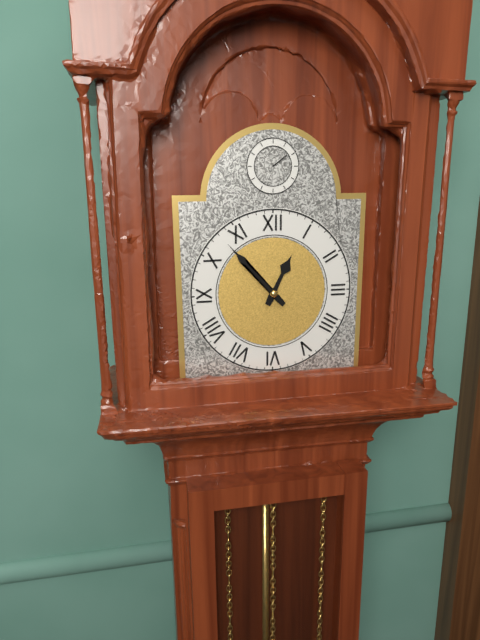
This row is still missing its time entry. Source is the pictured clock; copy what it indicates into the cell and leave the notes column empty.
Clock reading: 12:53
